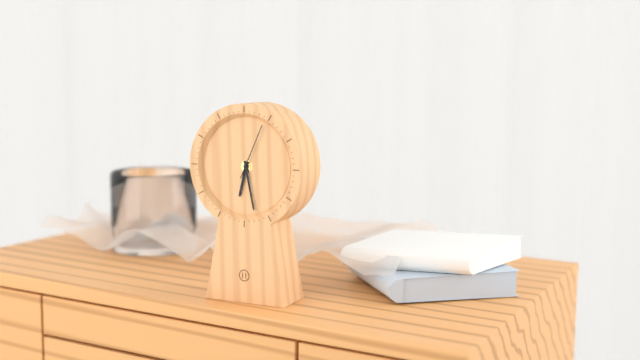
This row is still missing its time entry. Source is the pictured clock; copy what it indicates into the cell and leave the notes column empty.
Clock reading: 6:28:04
